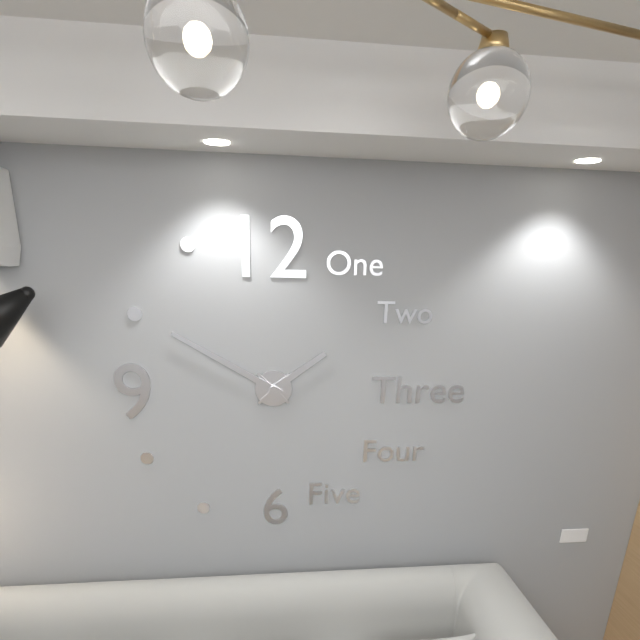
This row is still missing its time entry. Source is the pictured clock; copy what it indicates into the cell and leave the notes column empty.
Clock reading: 1:50
